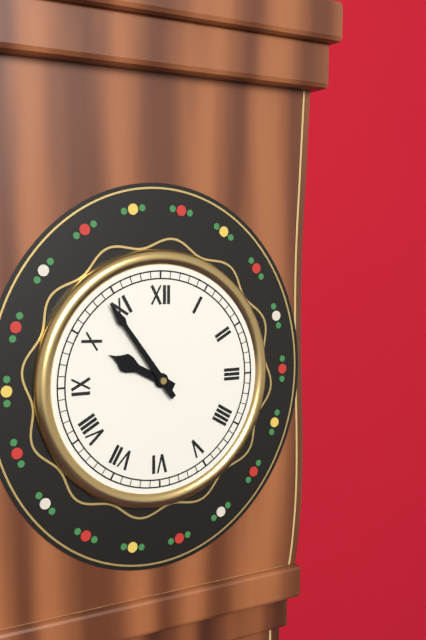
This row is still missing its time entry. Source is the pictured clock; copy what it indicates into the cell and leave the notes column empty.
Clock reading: 9:54
